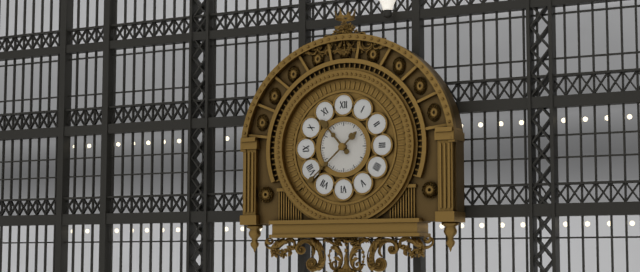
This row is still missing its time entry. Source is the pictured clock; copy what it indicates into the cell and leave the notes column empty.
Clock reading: 10:38
